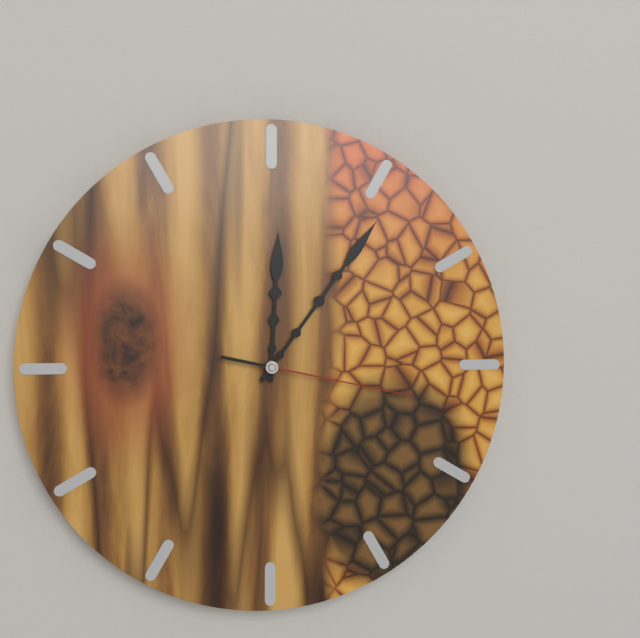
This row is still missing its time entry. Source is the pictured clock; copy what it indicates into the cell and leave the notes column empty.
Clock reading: 12:06:17
